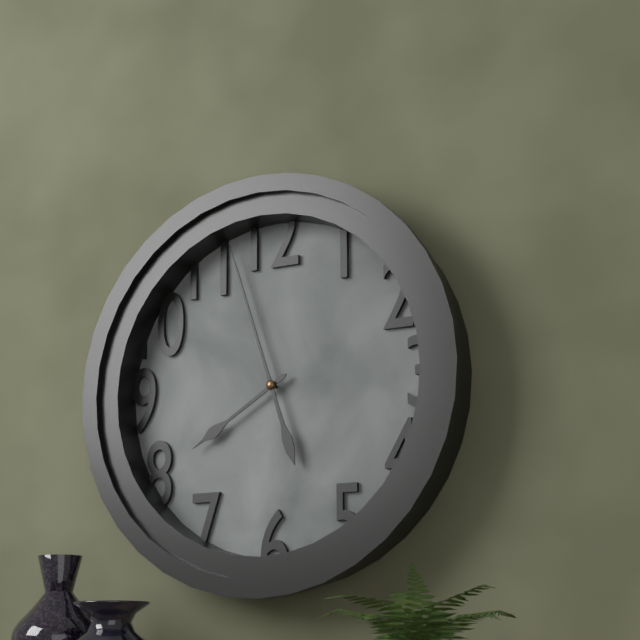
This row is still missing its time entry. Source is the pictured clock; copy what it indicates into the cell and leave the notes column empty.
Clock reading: 7:57
